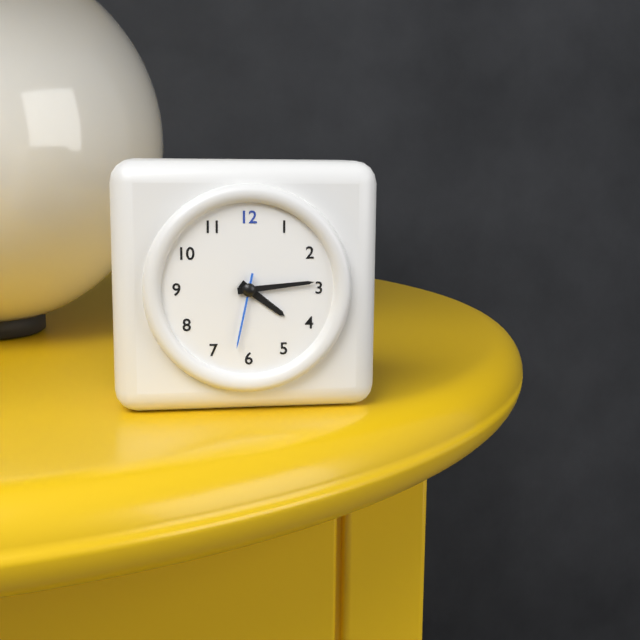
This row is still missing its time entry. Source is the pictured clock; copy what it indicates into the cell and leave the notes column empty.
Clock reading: 4:14:32
